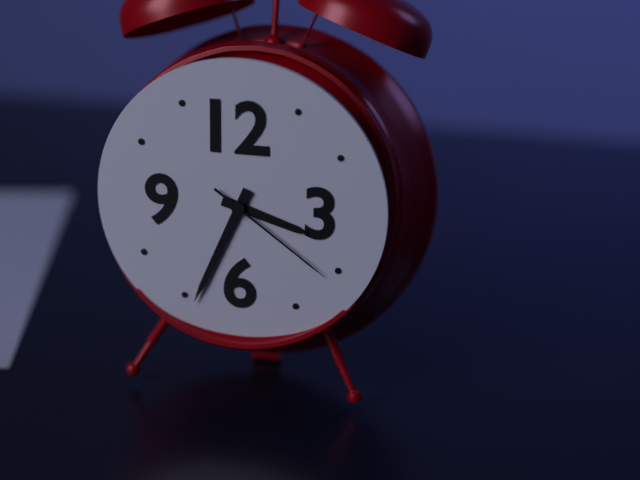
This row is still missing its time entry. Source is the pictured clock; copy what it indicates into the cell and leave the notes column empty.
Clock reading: 3:34:21
